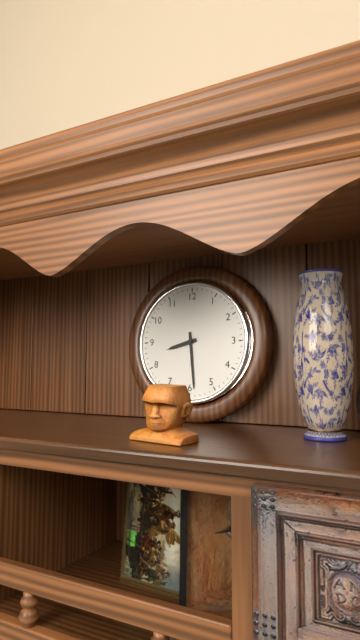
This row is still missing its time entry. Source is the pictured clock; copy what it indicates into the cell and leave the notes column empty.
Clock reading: 8:29
